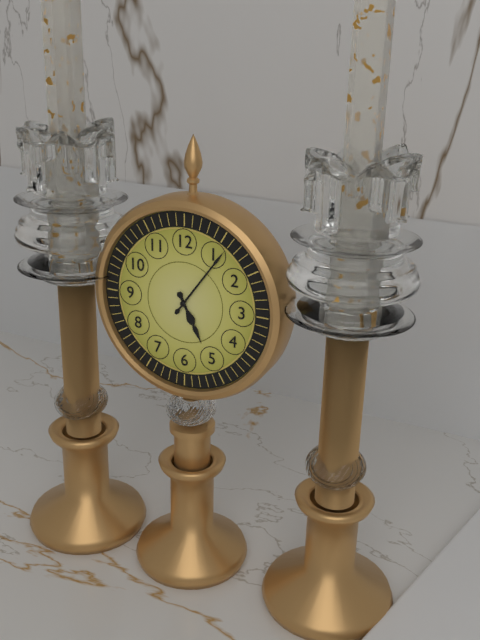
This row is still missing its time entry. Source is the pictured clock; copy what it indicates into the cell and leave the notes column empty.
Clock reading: 5:06
